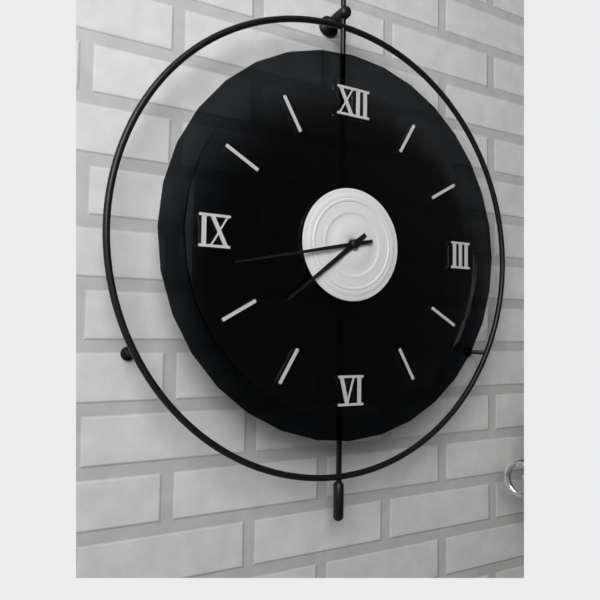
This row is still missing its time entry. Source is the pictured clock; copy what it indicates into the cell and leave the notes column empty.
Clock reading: 7:43
